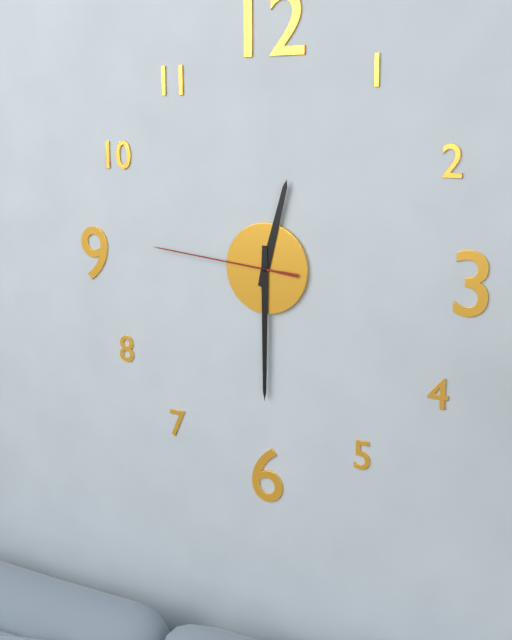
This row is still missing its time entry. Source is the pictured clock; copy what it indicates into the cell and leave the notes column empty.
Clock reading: 12:30:46
